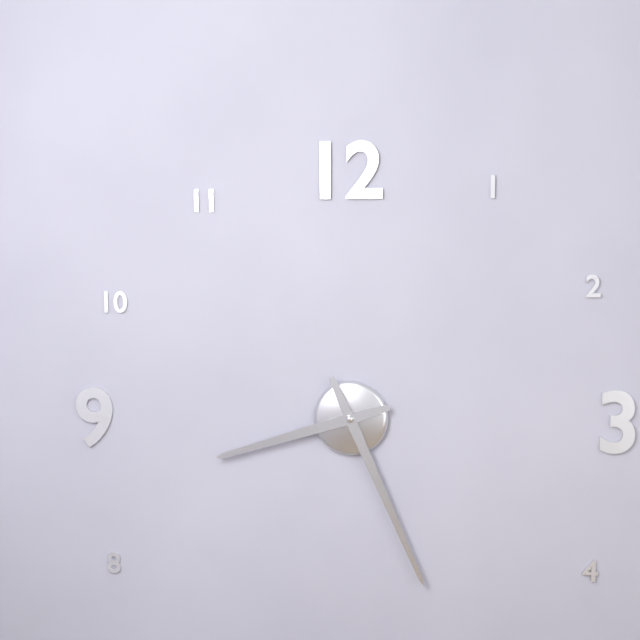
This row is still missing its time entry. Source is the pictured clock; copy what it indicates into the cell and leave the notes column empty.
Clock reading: 8:26
